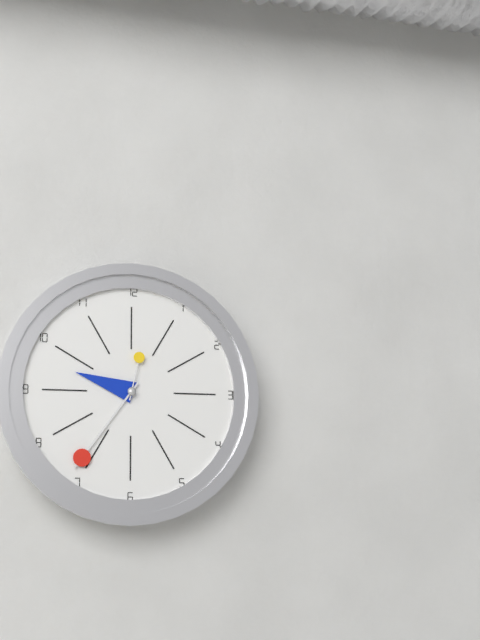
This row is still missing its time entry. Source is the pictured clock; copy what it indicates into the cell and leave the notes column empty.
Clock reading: 9:36:02
